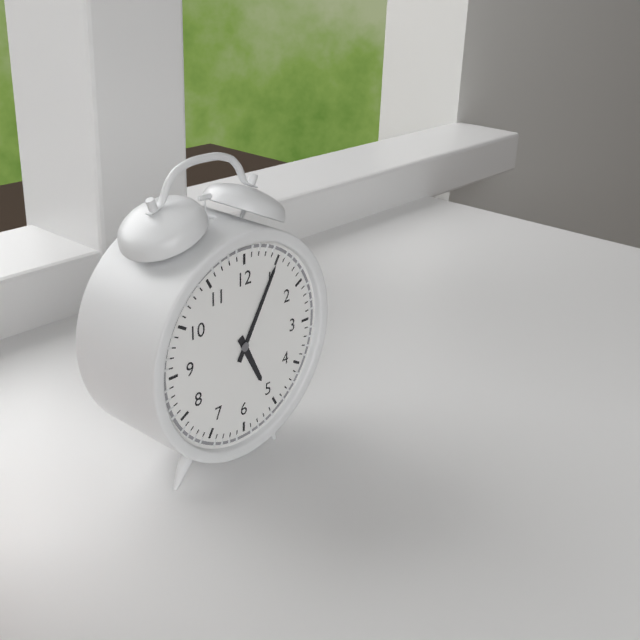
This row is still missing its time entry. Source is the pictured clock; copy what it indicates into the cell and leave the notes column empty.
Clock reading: 5:05
